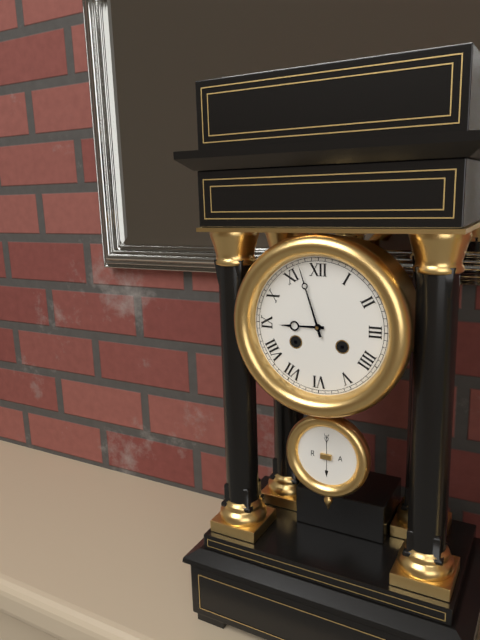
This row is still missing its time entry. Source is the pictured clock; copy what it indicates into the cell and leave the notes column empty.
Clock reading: 8:57
